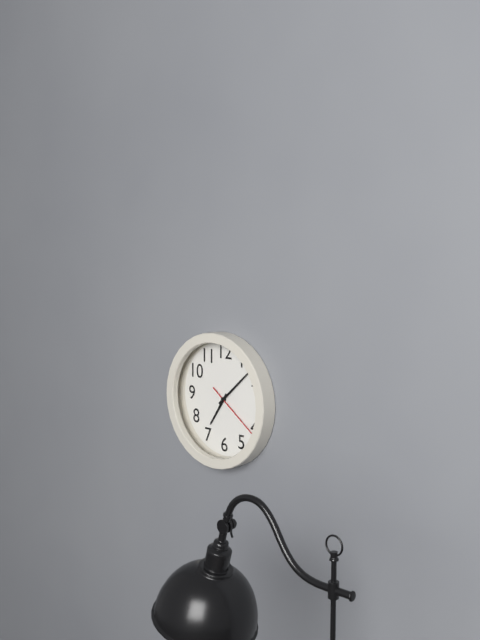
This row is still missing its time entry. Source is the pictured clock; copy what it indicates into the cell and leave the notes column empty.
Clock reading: 7:08:21
